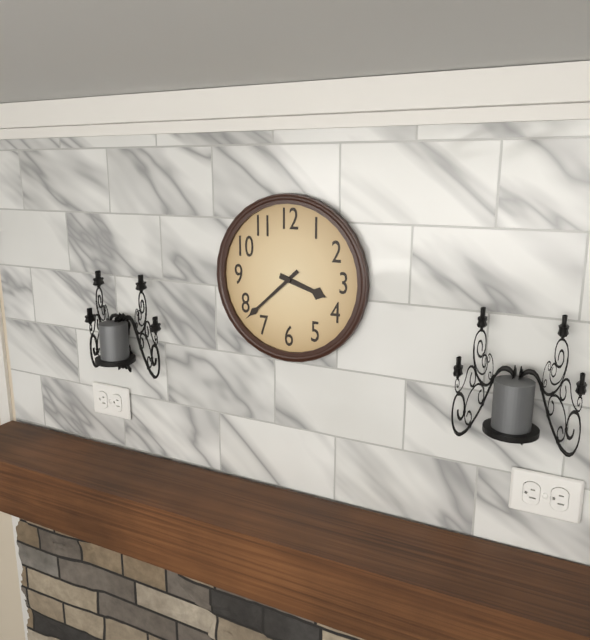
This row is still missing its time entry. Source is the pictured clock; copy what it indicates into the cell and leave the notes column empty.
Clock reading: 3:38
